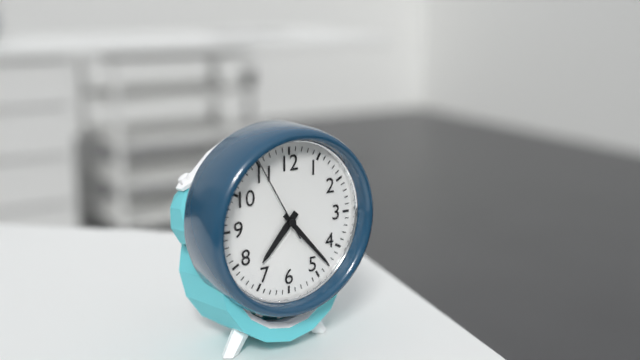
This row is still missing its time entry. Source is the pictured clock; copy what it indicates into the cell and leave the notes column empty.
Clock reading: 7:23:55
